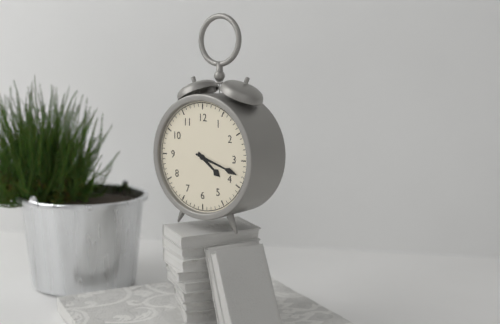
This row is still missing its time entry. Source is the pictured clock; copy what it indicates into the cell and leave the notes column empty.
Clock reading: 4:18
